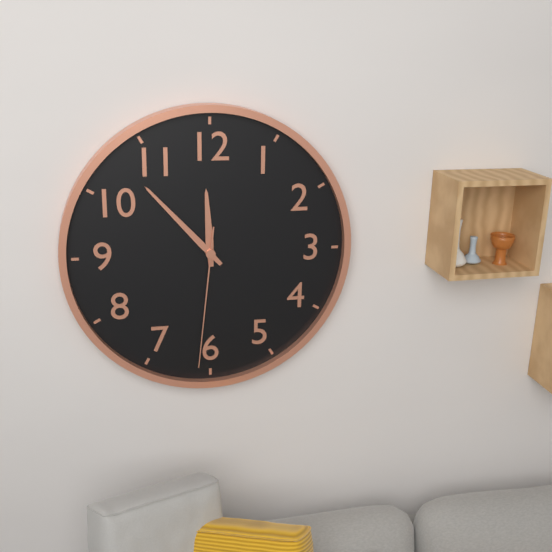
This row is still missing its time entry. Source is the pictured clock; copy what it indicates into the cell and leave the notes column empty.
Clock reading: 11:53:31
